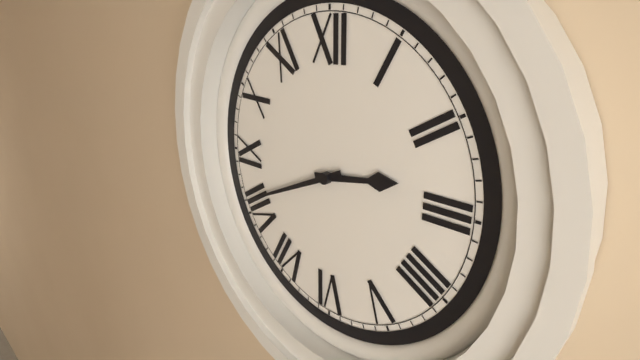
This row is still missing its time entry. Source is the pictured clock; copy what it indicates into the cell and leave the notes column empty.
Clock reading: 2:41
